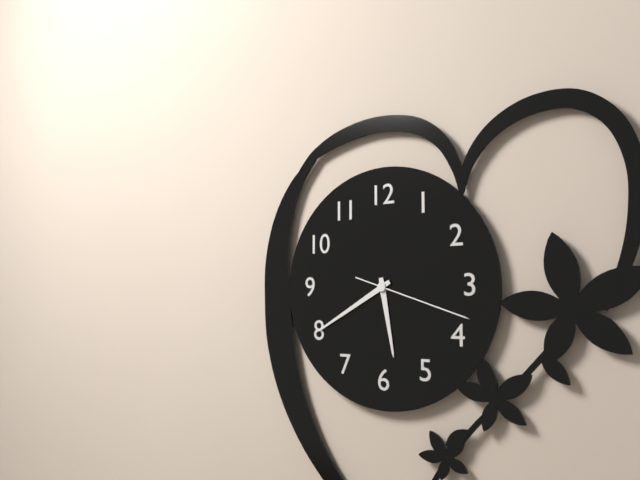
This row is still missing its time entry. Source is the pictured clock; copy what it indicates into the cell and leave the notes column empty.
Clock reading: 5:40:18
